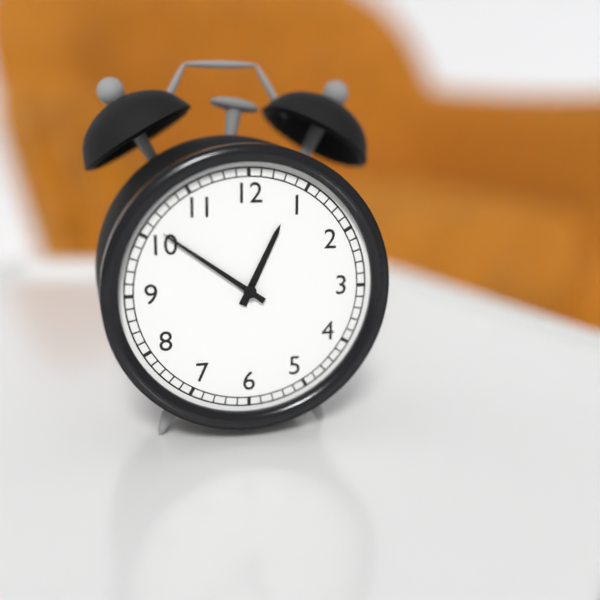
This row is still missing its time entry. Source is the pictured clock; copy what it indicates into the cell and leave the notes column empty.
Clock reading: 12:51
